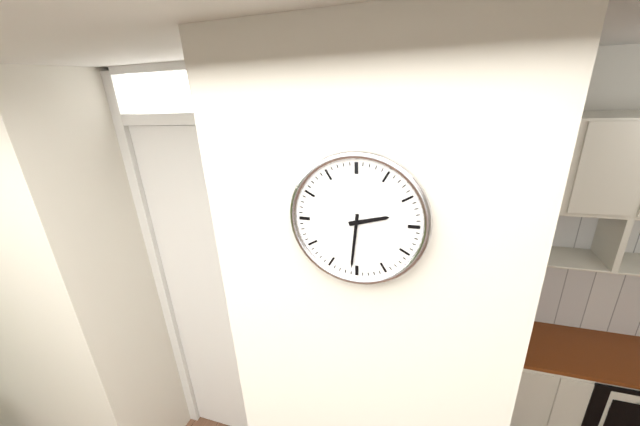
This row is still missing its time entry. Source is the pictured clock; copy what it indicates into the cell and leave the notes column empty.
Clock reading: 2:31
